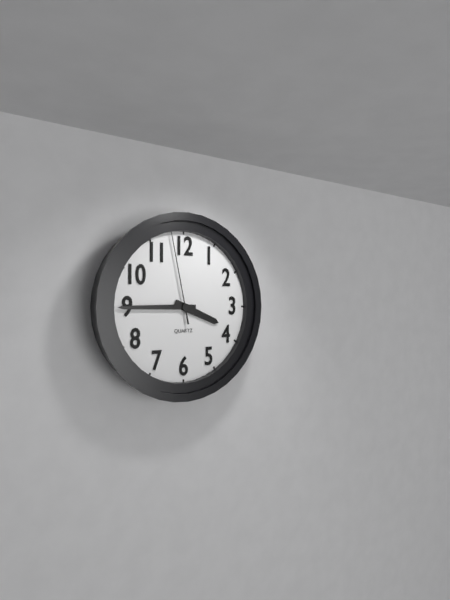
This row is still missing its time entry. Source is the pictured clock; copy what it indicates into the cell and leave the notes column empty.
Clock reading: 3:45:58
